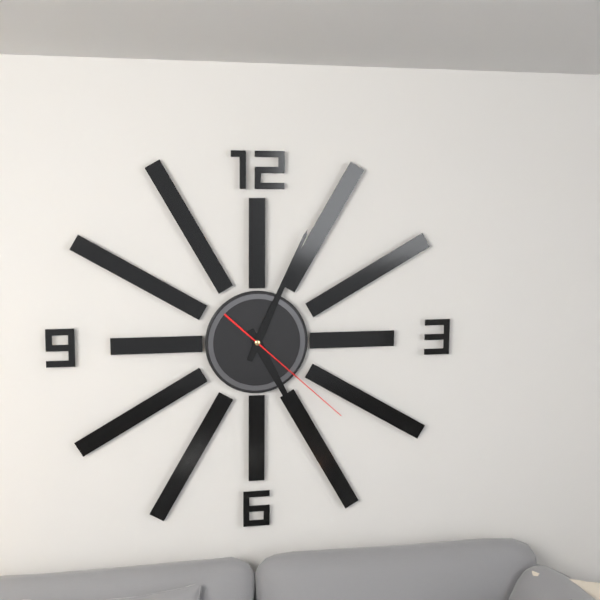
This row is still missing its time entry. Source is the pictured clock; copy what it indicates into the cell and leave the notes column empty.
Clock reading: 5:04:22
